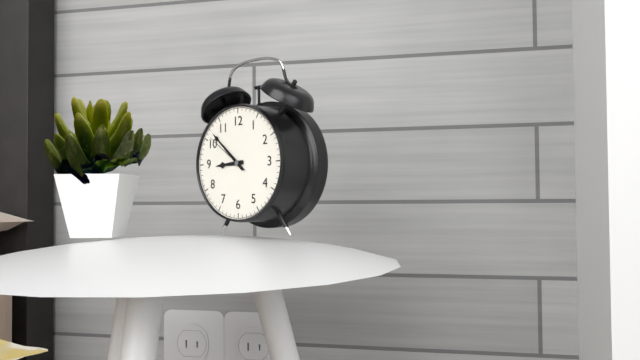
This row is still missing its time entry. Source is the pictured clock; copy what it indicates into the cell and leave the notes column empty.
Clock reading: 8:52
